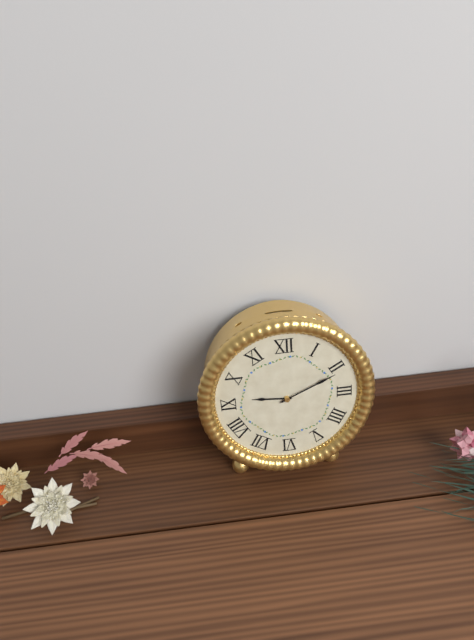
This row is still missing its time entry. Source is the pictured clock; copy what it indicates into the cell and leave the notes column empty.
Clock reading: 9:11
